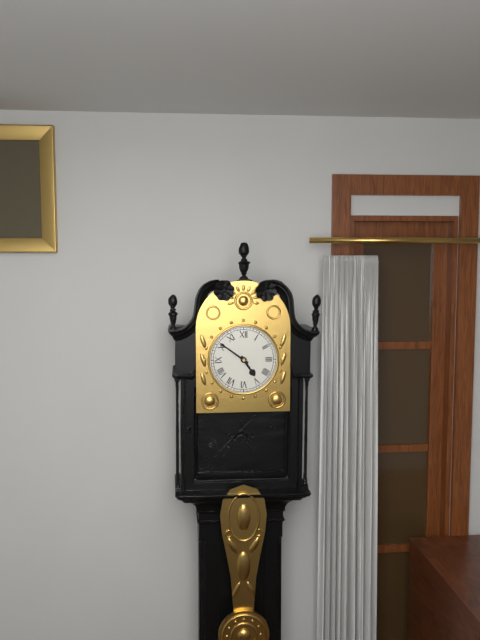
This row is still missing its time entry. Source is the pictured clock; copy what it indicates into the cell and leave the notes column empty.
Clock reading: 4:51
